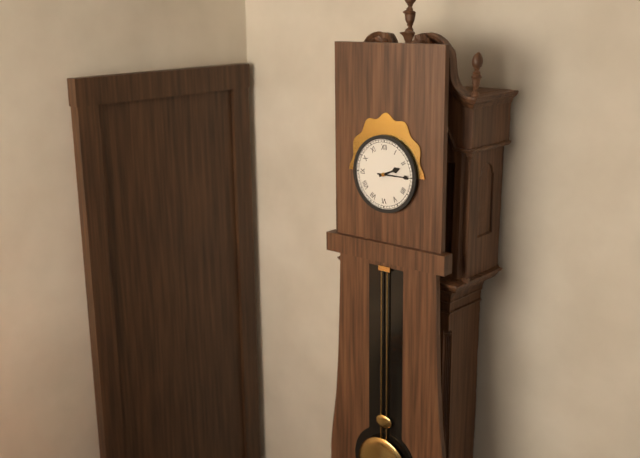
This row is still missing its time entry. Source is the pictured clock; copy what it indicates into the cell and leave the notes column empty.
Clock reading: 2:15
